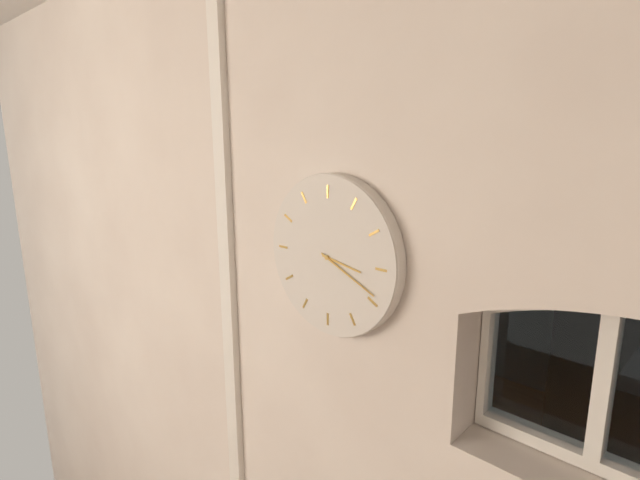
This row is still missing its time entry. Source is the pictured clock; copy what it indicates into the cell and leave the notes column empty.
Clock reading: 3:19
